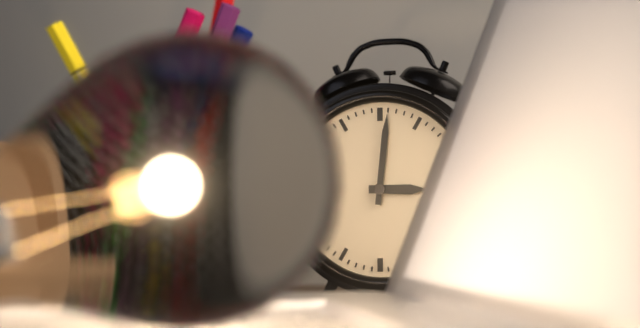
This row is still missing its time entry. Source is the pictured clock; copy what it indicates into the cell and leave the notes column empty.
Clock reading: 3:01
